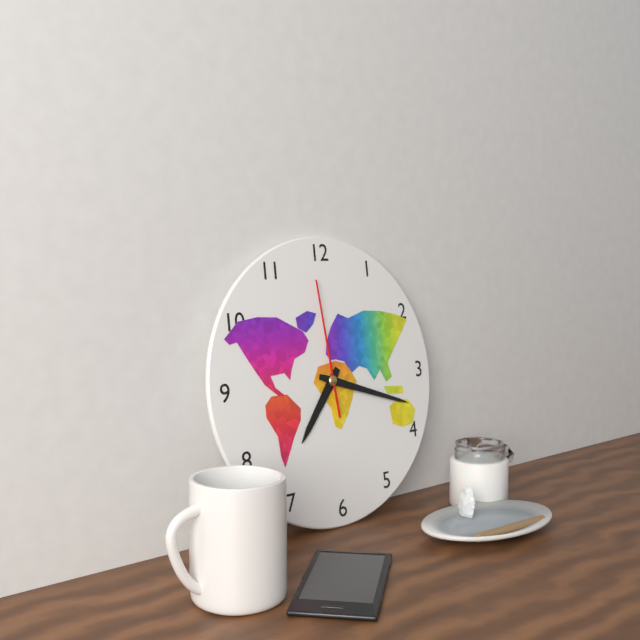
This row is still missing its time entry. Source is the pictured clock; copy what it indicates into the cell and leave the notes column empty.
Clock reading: 7:18:59
